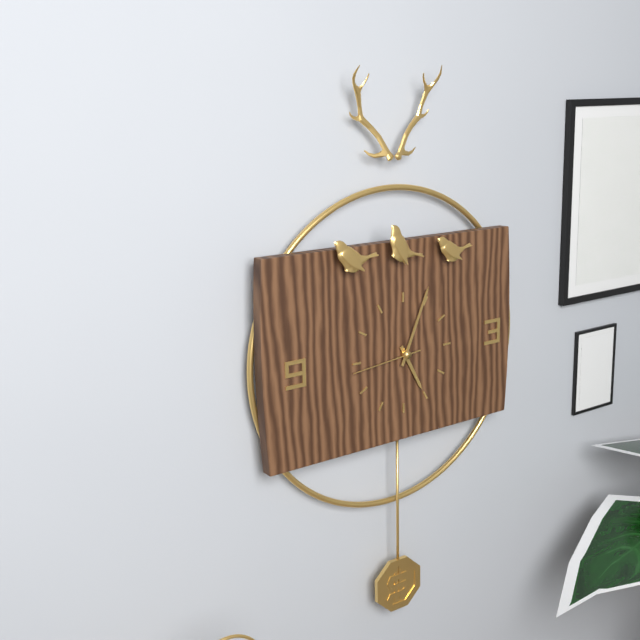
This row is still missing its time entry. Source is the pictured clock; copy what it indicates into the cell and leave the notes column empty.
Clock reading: 5:04:44
